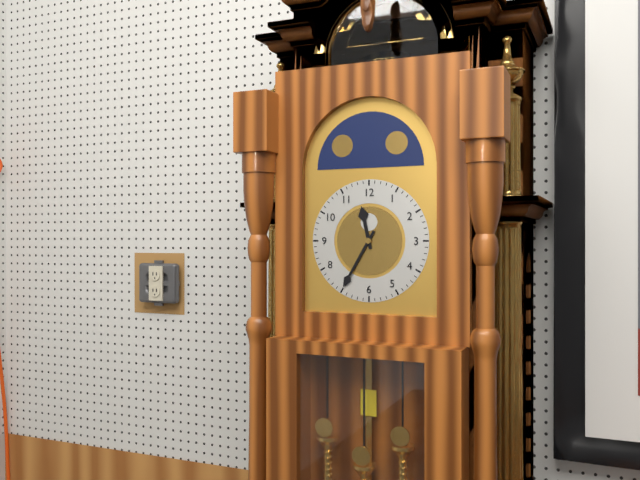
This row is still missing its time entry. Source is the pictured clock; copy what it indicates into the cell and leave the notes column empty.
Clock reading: 11:35
